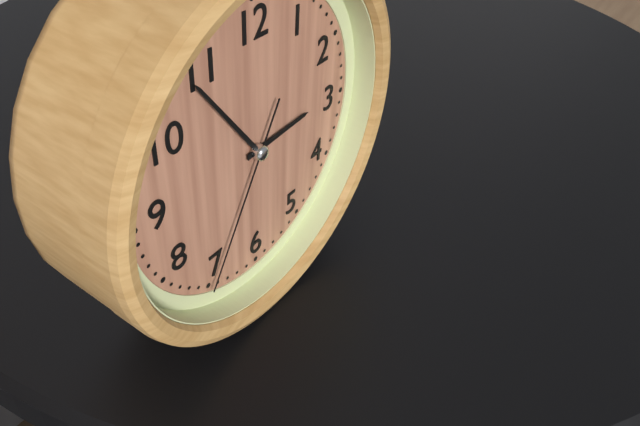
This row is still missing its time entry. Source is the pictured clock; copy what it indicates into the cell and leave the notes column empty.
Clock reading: 2:54:35
